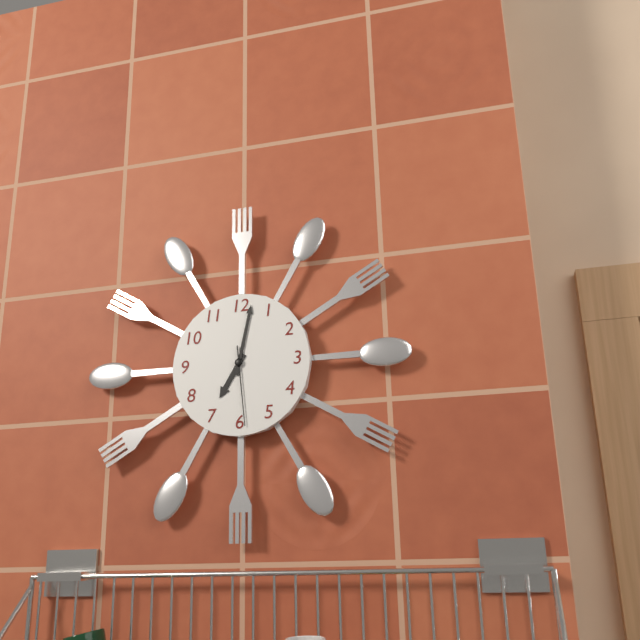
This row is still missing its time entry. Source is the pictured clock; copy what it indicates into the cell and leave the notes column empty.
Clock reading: 7:02:29
